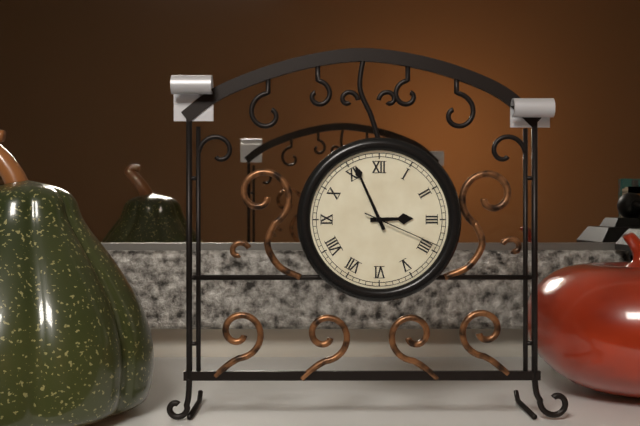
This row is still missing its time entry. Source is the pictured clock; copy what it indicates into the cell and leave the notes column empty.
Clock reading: 2:56:19
